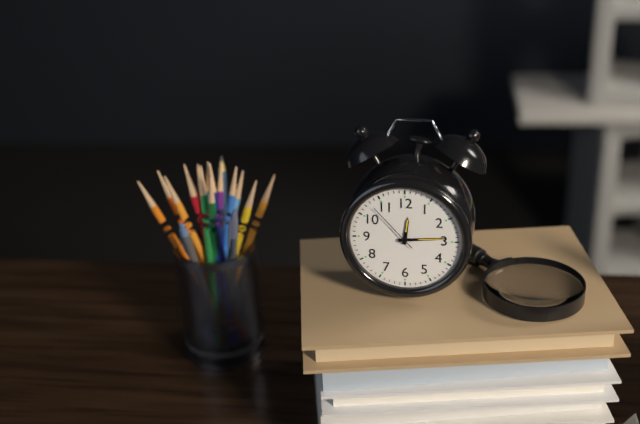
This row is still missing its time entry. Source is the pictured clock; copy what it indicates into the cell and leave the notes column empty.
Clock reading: 12:14:53
